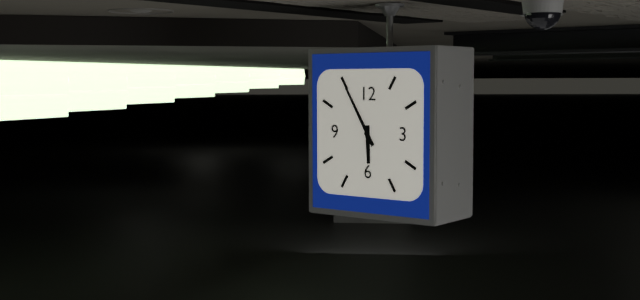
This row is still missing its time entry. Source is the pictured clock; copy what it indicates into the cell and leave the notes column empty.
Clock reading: 5:55
